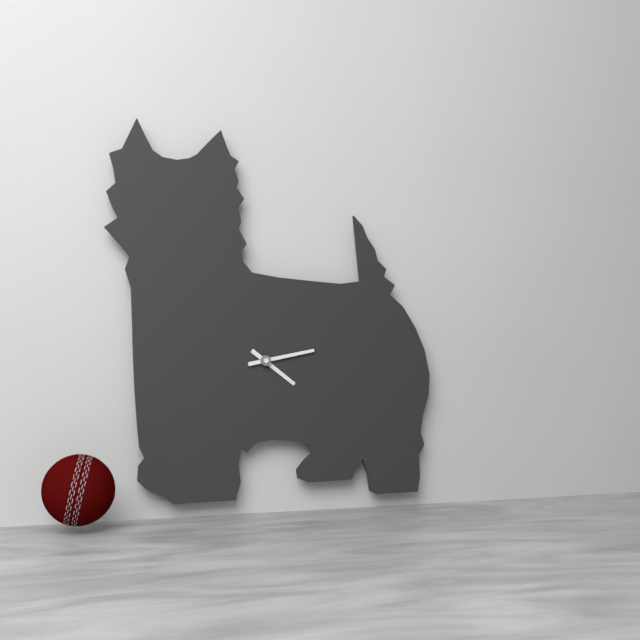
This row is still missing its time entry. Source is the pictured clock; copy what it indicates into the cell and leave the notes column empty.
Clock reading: 4:13
